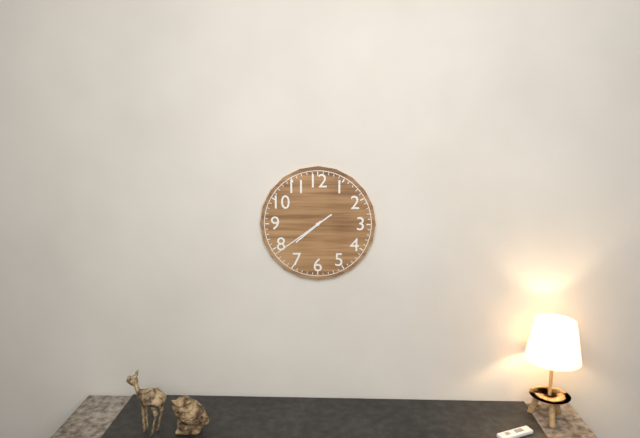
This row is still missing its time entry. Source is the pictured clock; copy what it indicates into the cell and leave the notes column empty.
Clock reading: 7:39
